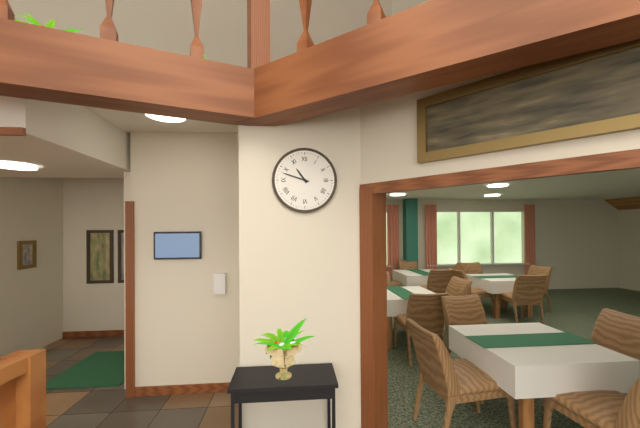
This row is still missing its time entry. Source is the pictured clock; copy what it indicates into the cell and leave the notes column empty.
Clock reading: 10:48
